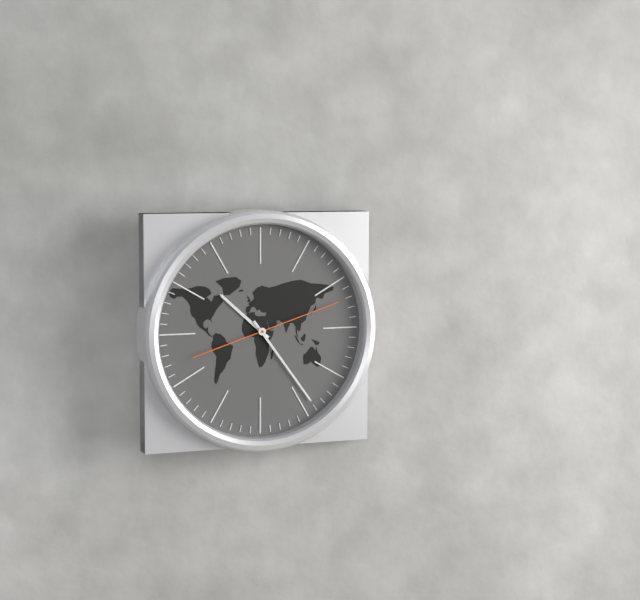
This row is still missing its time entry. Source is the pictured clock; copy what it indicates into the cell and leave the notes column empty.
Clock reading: 10:24:12
